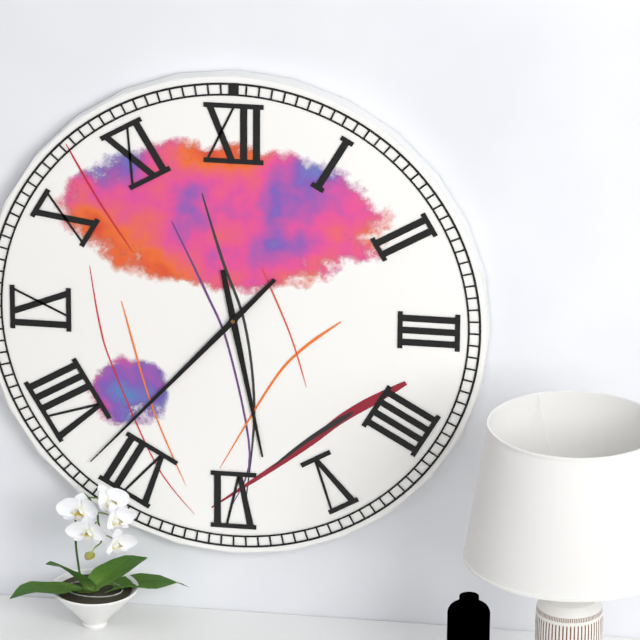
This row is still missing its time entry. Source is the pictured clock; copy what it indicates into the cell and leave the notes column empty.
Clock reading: 5:37
